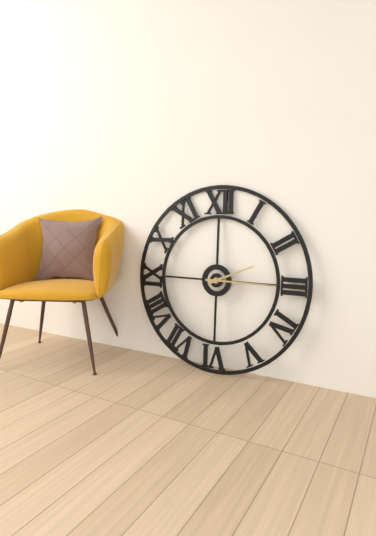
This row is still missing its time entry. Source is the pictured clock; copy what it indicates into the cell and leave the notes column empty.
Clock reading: 2:15
